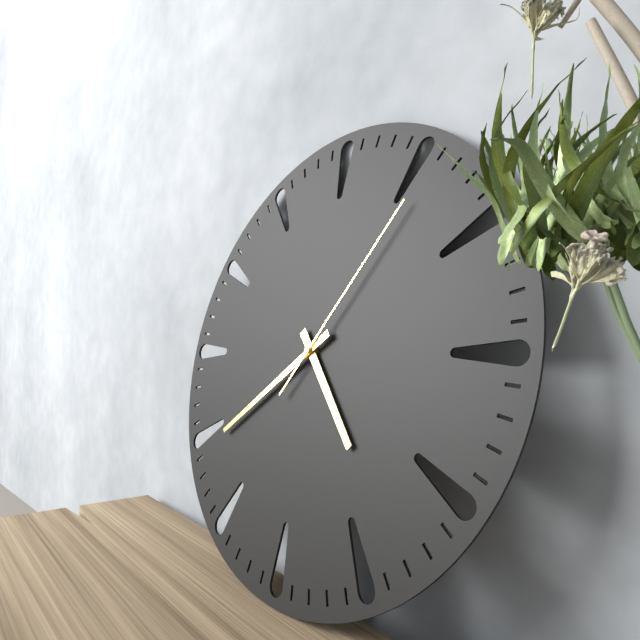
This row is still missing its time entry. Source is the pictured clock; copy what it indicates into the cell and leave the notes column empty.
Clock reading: 4:39:06
